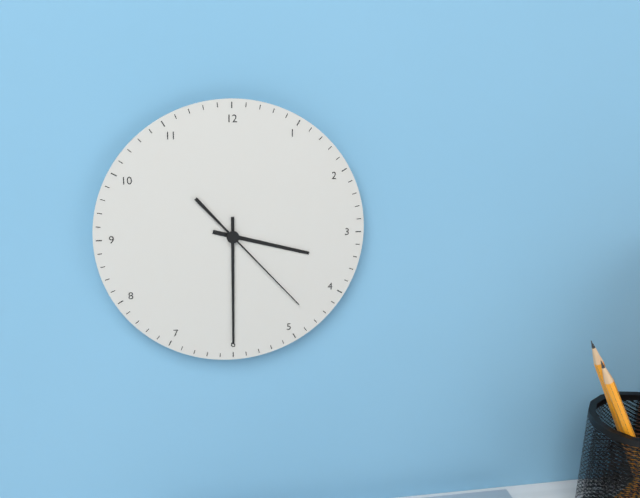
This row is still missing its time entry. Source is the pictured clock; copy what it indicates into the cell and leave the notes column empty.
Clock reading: 3:30:23
